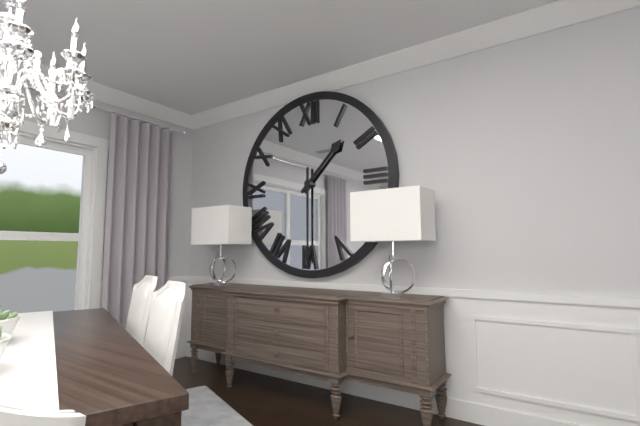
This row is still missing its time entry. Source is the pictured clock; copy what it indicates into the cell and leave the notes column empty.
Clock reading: 1:30
